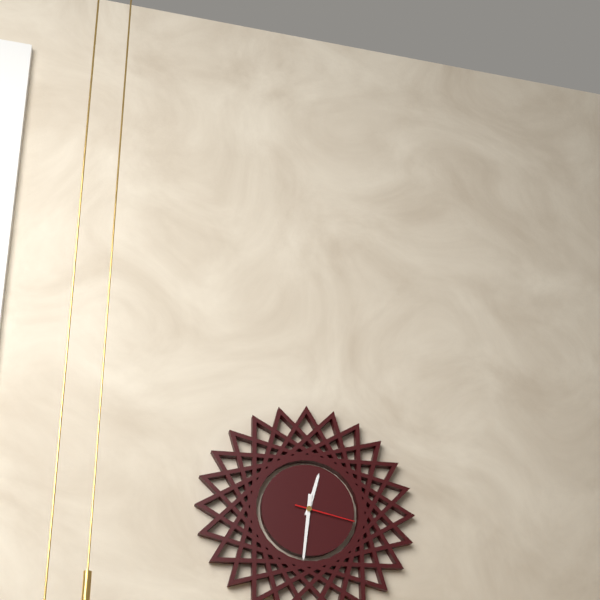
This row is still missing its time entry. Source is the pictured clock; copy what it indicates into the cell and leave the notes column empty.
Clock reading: 12:31:17
